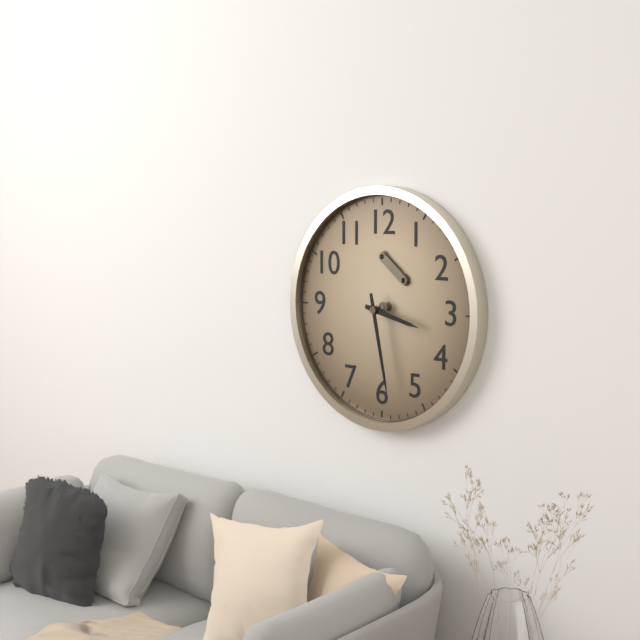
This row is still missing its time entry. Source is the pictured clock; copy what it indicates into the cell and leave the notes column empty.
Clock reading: 3:28
